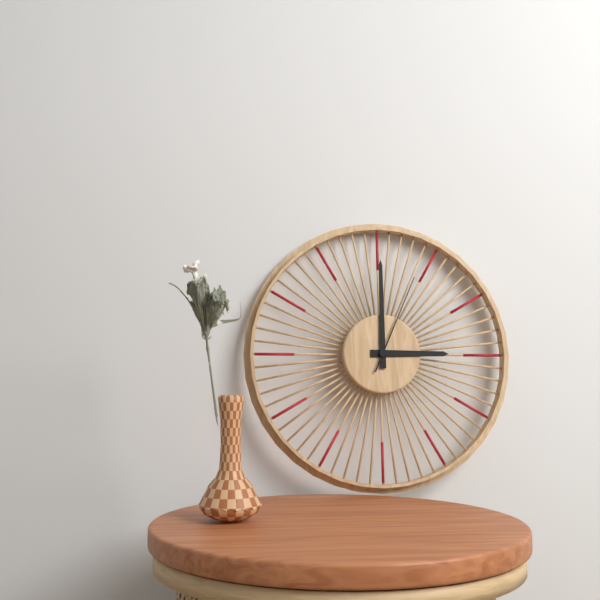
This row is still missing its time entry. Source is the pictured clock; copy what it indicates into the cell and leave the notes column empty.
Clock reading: 3:00:04
